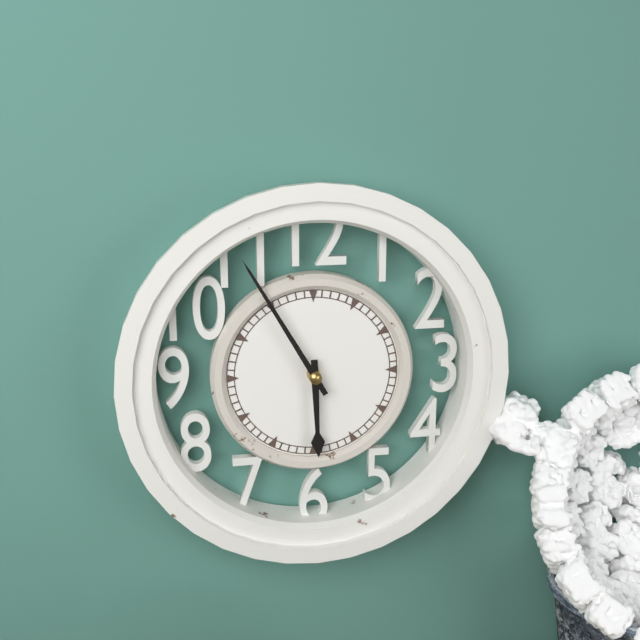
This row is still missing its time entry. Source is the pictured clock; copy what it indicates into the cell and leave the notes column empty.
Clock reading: 5:55
